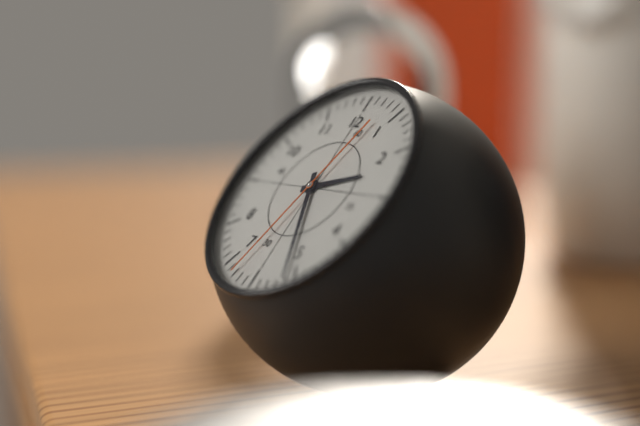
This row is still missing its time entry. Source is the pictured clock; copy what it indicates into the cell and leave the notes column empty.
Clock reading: 2:26:33
